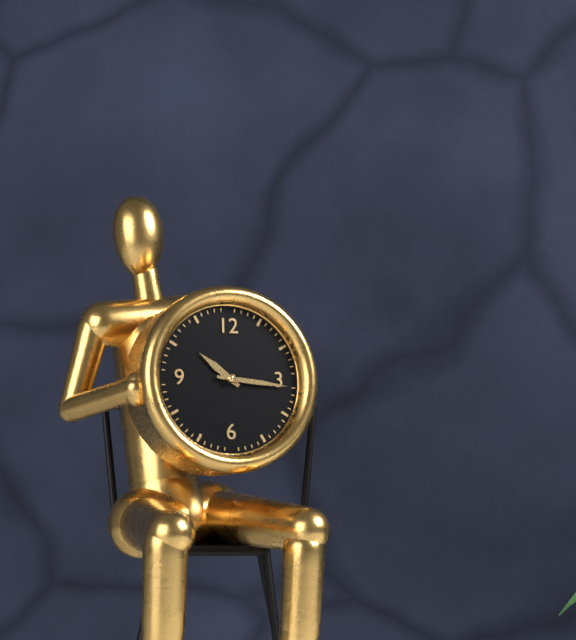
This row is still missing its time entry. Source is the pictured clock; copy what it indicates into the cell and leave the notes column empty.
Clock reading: 10:16
